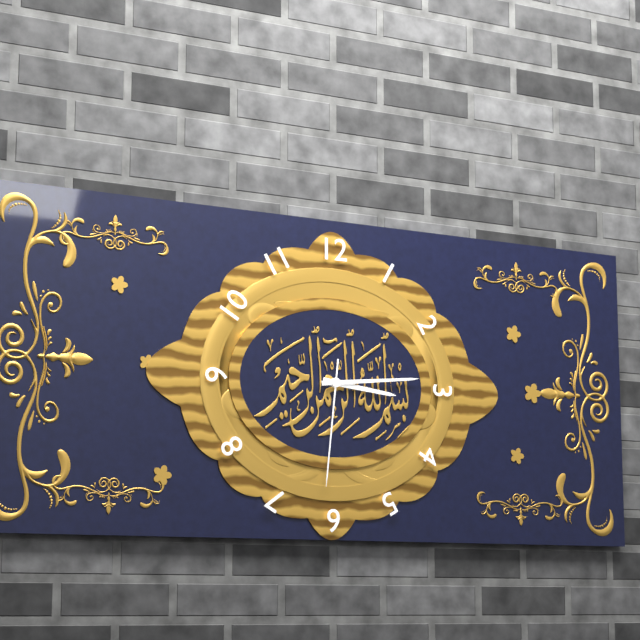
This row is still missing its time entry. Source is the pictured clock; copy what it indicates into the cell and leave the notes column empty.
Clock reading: 3:14:31
